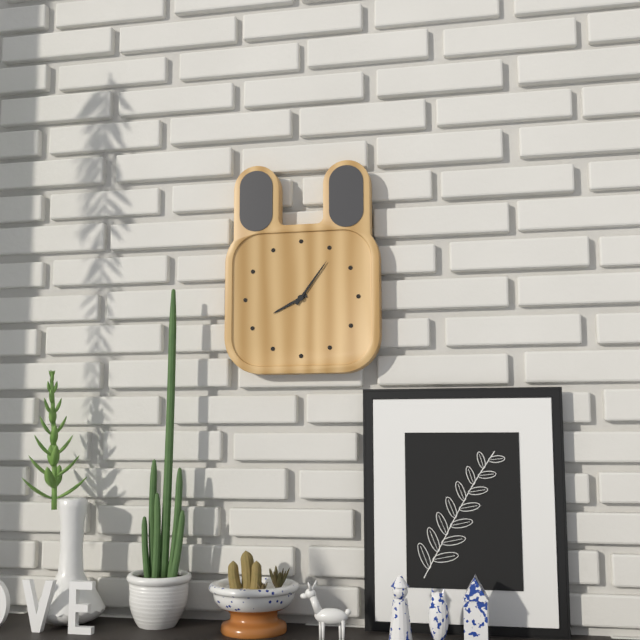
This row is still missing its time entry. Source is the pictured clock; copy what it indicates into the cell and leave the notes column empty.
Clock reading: 8:06
